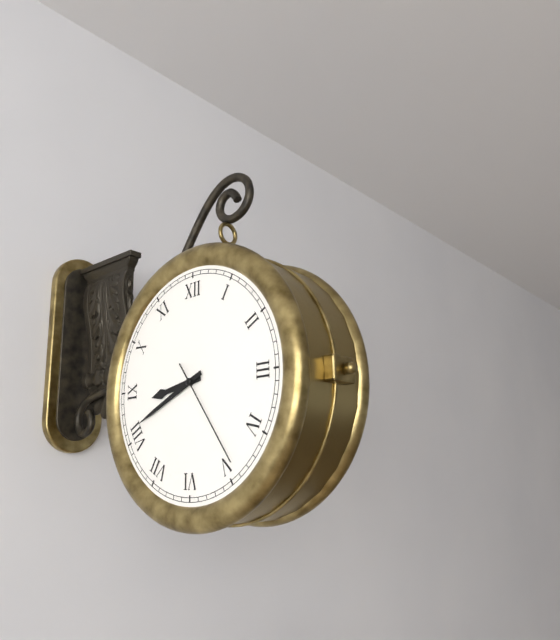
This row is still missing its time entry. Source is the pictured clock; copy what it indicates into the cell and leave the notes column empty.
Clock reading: 8:41:24
